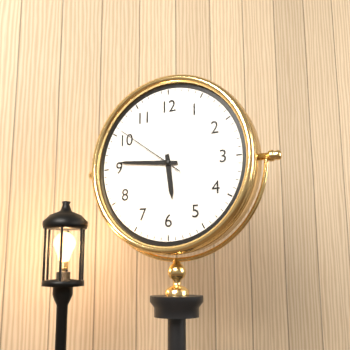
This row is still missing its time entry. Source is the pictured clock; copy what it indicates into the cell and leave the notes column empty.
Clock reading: 5:46:51
